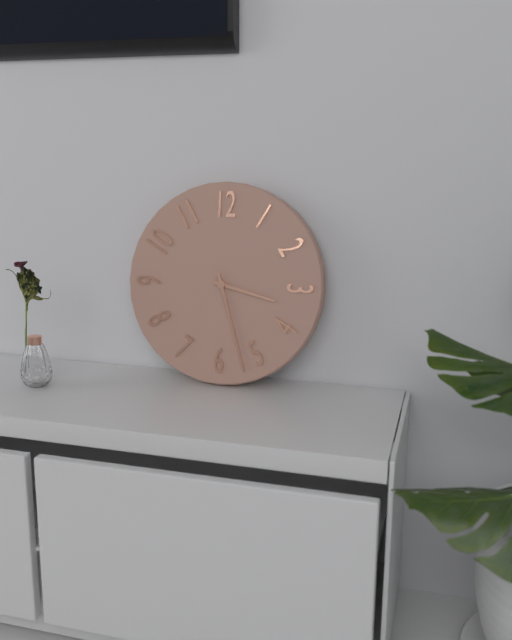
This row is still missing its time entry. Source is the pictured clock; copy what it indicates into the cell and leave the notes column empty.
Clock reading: 3:27
